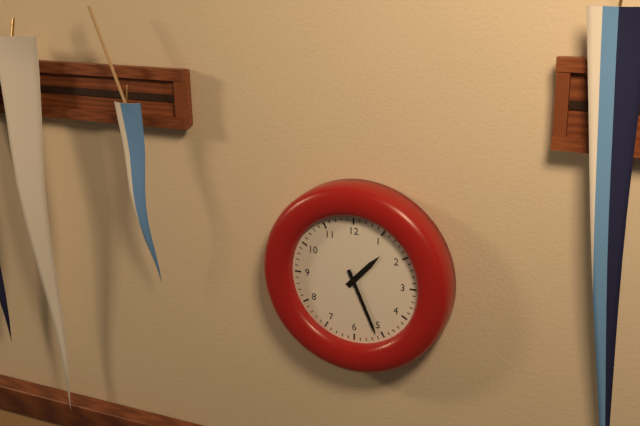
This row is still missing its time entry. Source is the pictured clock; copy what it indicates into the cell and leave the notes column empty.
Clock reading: 1:26
